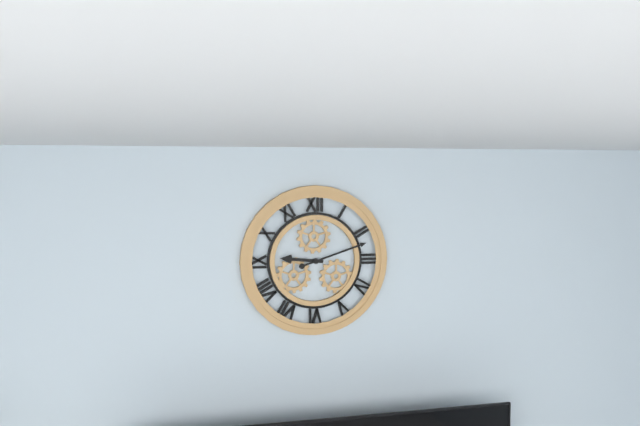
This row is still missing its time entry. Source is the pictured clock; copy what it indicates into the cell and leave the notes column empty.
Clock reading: 9:12
